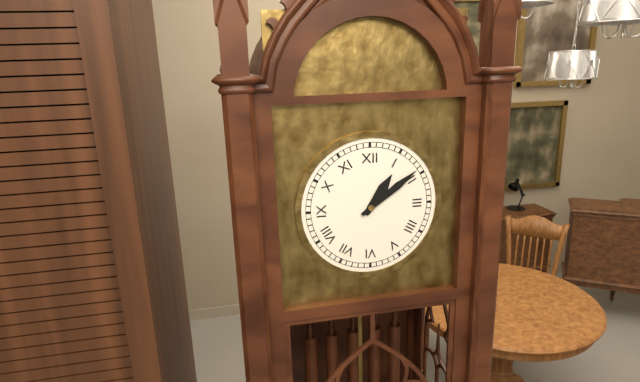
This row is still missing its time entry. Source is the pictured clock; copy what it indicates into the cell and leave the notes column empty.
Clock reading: 1:09
